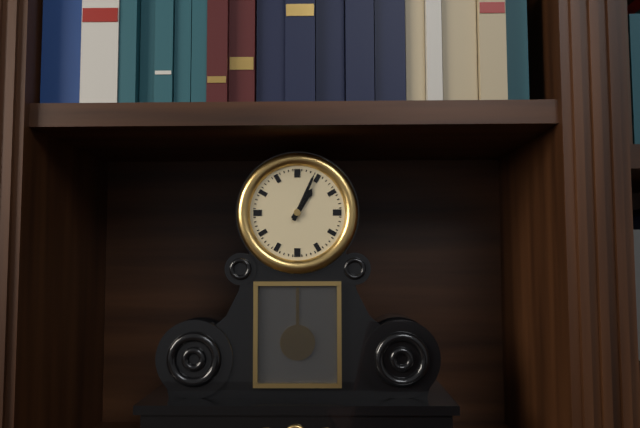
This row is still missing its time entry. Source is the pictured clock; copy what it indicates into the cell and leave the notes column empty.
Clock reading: 1:04
